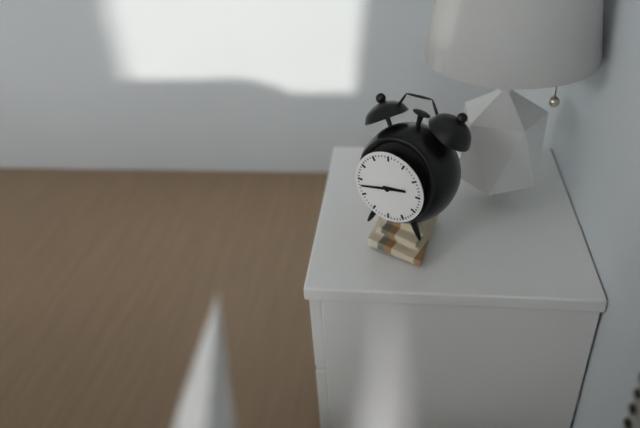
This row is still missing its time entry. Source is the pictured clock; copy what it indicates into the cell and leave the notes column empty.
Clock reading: 2:43
